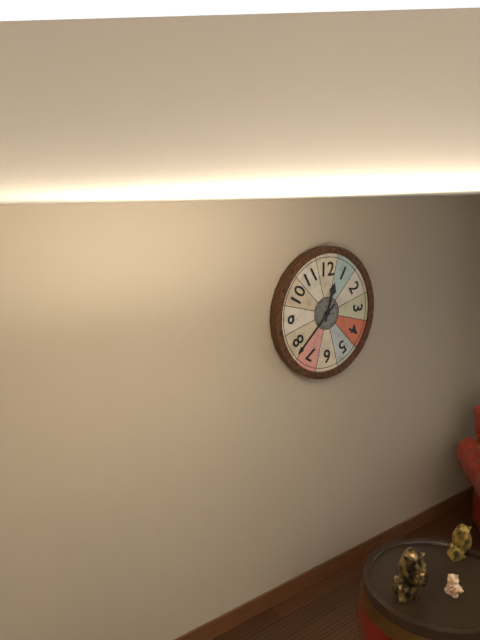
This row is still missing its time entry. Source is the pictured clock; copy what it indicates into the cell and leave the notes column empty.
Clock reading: 12:38
